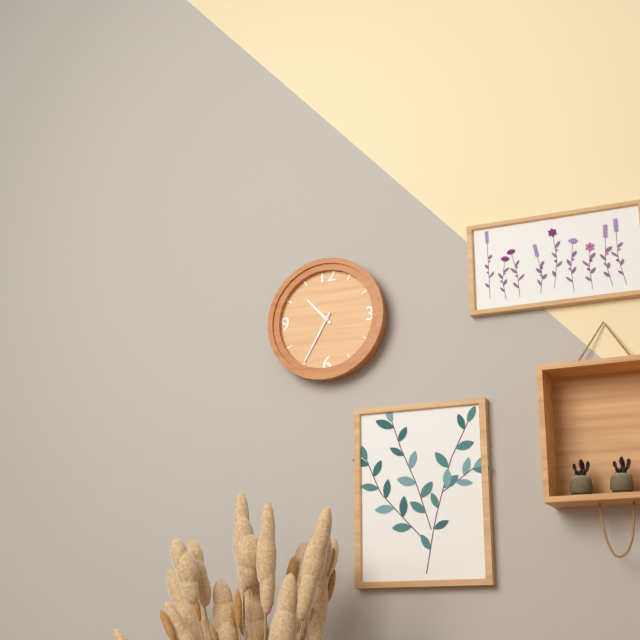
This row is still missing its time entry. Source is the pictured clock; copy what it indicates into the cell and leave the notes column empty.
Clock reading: 10:35
